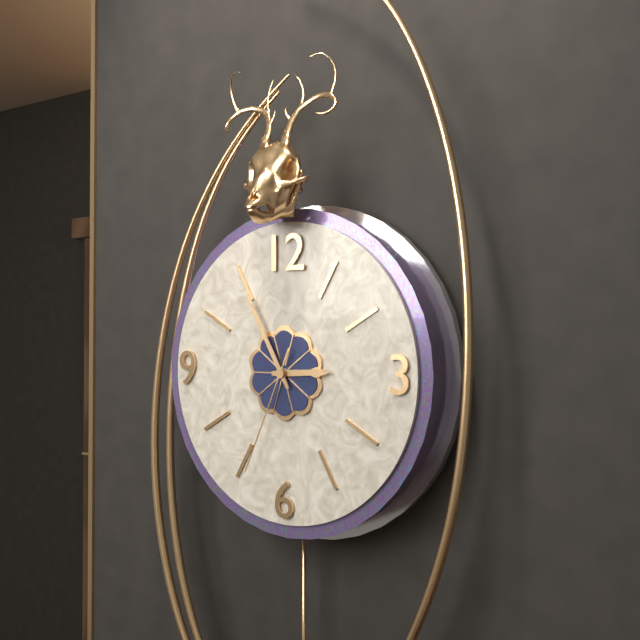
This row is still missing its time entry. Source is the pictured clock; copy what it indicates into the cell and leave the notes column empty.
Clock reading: 2:55:34
